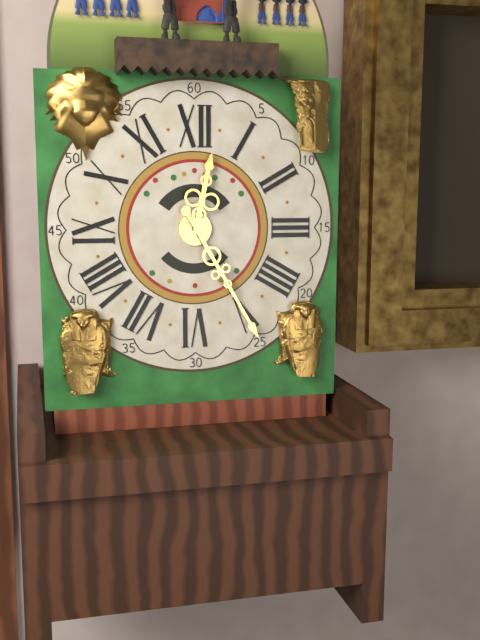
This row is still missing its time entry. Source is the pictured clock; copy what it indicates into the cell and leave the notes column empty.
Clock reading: 12:25
